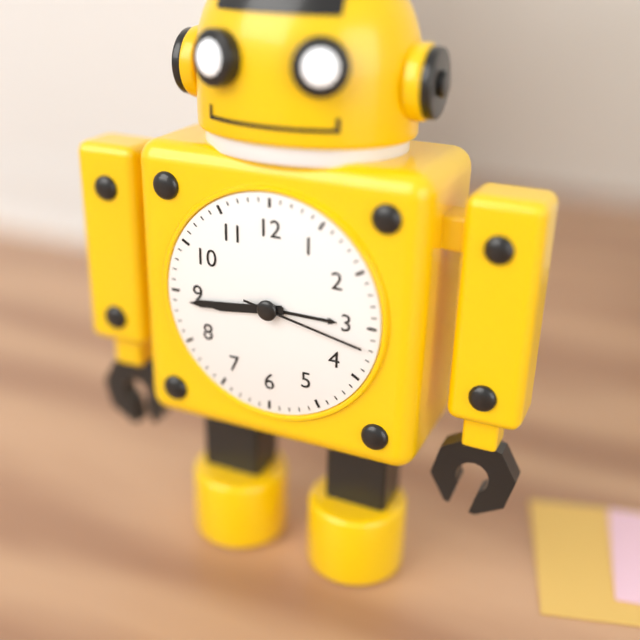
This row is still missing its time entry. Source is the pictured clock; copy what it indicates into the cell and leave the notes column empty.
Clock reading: 8:44:17
